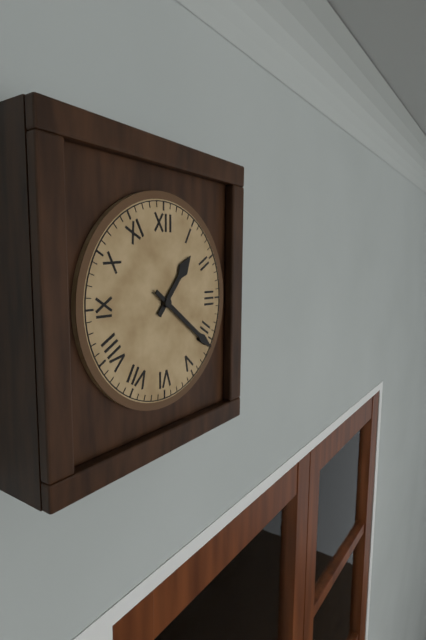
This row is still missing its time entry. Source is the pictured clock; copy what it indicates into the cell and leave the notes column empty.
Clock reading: 1:21
